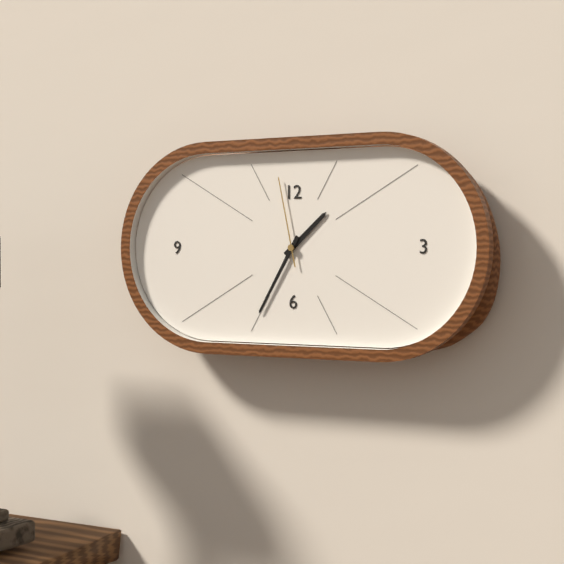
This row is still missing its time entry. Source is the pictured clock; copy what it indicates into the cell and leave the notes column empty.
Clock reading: 1:35:58
